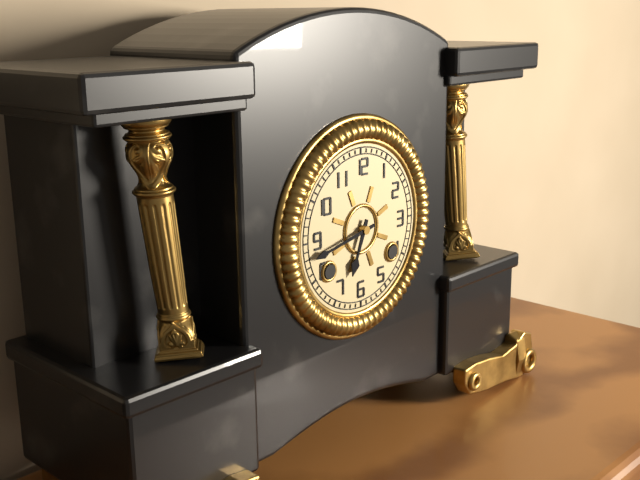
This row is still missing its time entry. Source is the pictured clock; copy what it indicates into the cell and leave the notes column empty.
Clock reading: 6:43
